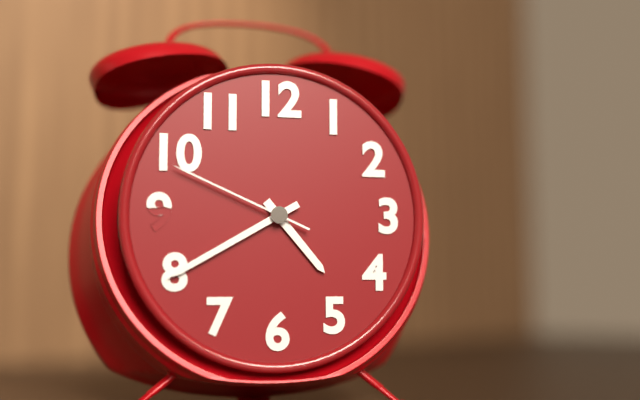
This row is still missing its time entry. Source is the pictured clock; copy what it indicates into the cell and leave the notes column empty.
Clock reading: 4:40:49
